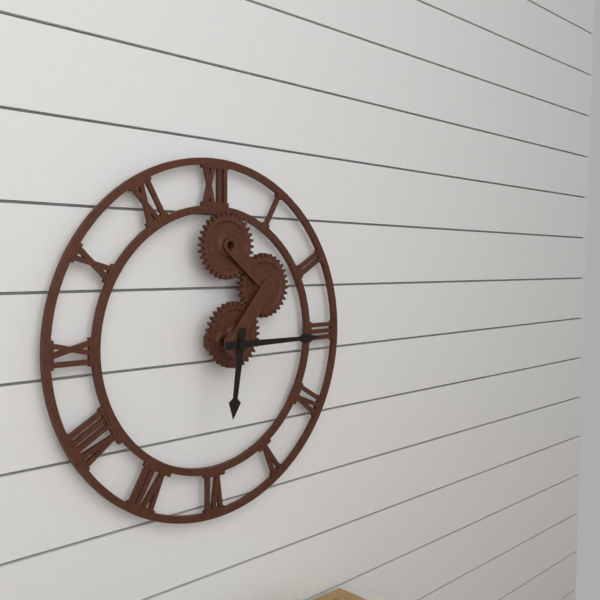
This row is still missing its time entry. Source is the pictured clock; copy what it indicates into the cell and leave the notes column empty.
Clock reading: 6:15
